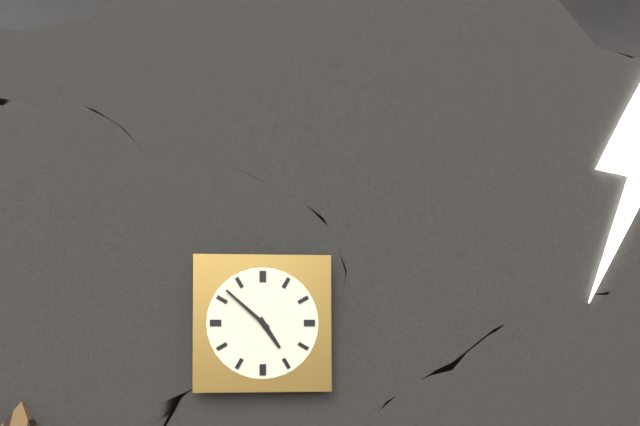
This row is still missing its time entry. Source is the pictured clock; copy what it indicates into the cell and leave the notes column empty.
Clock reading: 4:52
